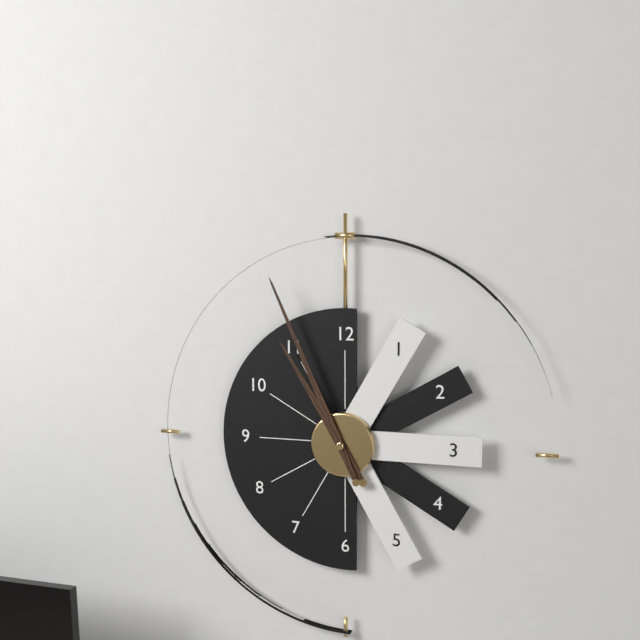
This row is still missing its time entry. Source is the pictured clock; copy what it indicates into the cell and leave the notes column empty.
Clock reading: 10:56
